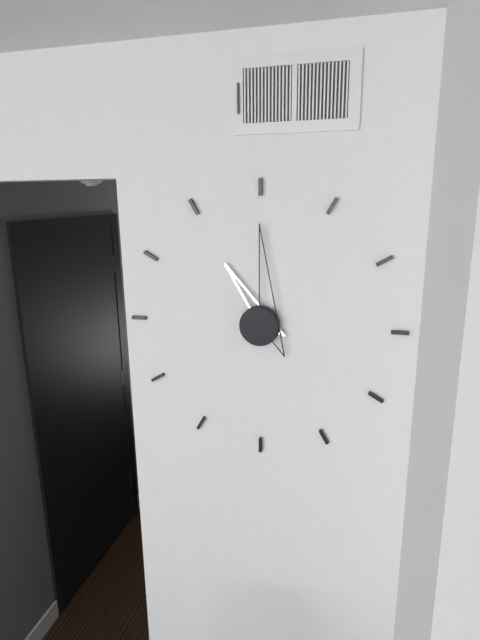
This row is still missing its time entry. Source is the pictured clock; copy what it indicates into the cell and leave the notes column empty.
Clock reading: 11:00
